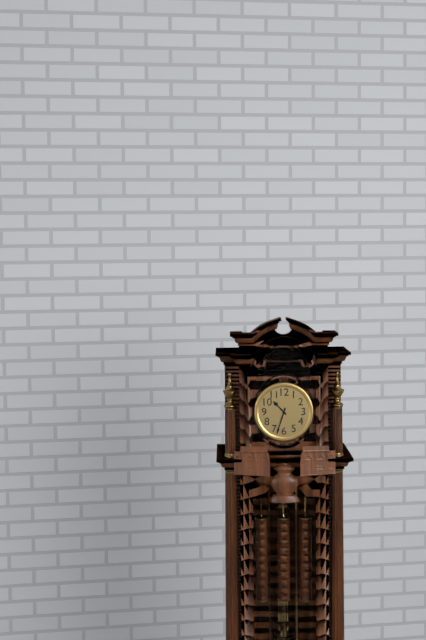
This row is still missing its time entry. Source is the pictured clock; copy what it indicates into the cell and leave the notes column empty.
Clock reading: 10:33
